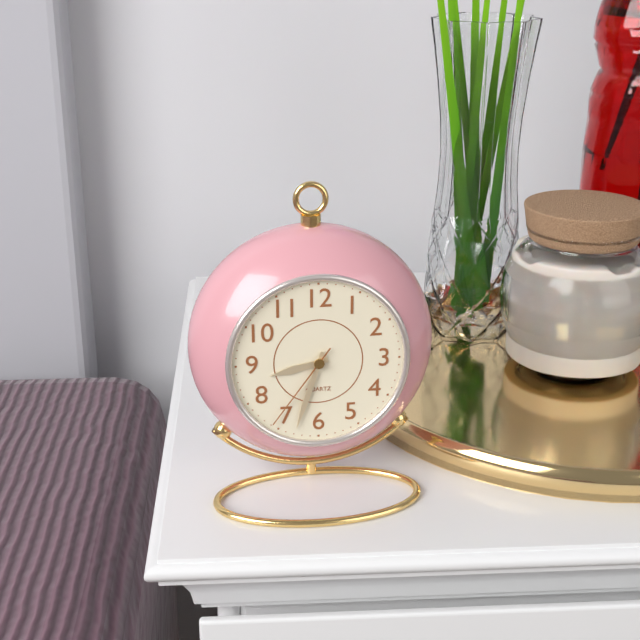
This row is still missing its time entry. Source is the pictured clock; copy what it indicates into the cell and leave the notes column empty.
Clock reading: 8:33:36
